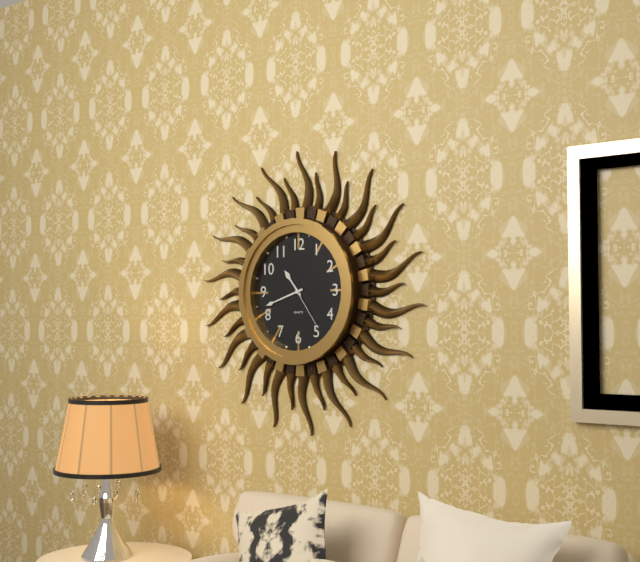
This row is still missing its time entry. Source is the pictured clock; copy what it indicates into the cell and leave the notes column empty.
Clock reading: 10:42:24
